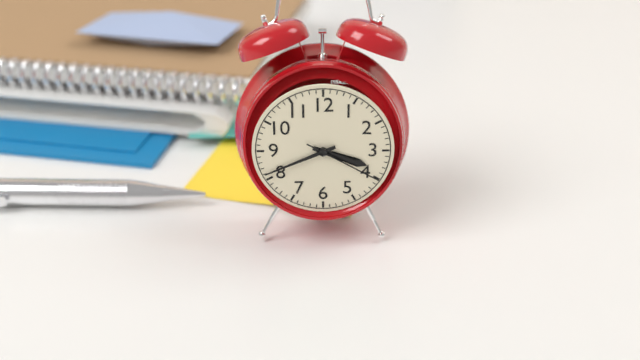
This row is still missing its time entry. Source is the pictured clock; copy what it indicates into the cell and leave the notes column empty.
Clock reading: 3:41:20
